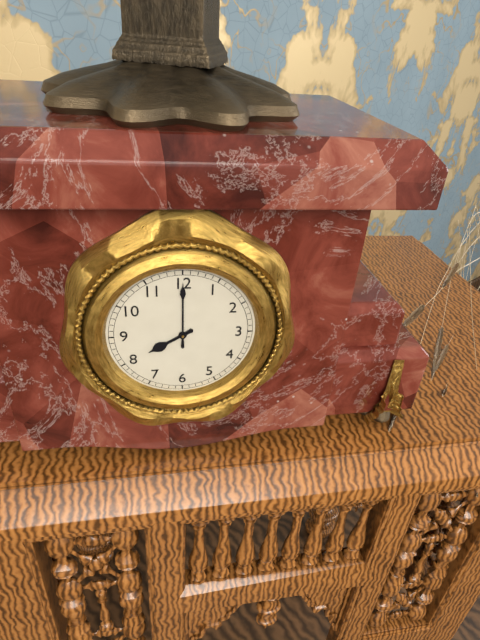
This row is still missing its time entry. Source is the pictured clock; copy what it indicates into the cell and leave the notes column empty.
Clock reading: 8:00
